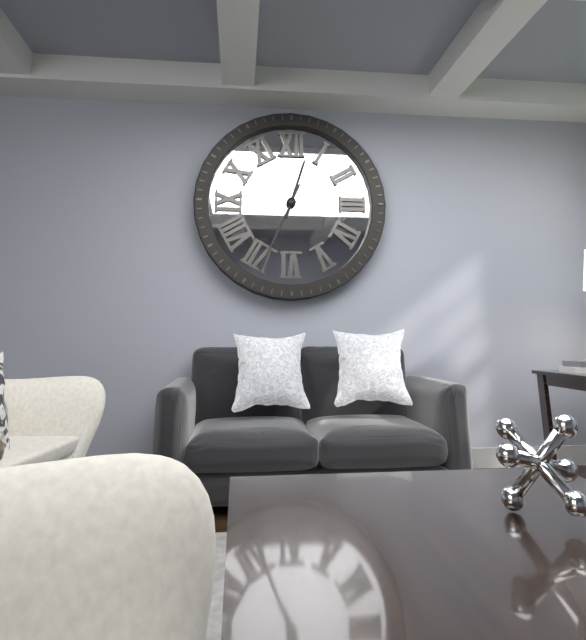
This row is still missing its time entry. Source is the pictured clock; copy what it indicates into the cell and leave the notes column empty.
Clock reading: 12:34
